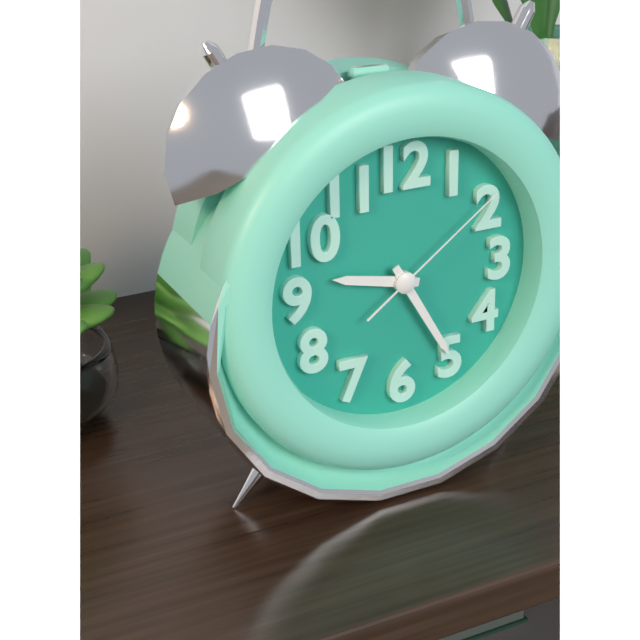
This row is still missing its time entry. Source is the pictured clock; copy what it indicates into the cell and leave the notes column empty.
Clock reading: 9:25:09
